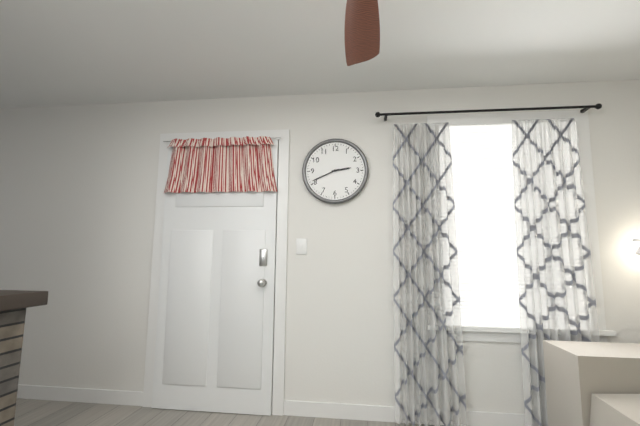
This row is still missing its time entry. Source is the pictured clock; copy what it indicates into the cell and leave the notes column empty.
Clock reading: 2:41
